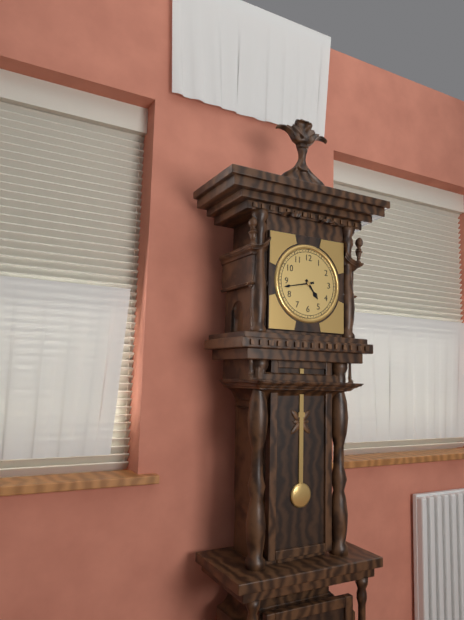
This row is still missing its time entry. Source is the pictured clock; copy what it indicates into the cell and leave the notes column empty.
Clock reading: 4:43
